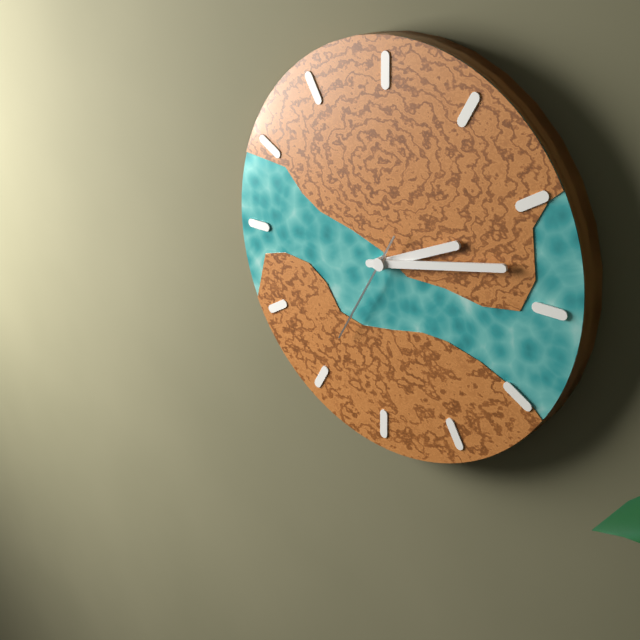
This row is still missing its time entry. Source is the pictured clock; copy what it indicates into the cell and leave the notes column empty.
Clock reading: 2:13:35
